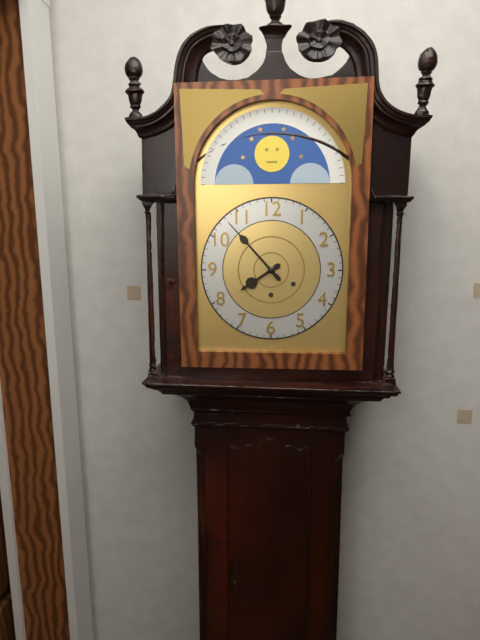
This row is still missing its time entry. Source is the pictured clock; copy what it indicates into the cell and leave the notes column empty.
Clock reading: 7:53
